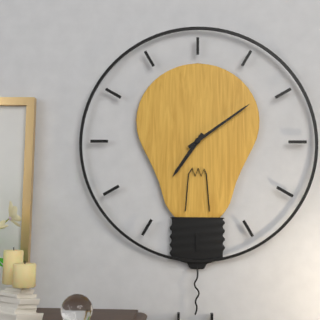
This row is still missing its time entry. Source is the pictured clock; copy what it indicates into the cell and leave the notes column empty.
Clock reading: 7:09
